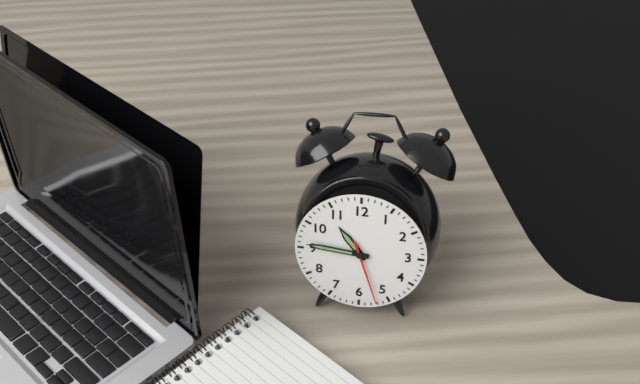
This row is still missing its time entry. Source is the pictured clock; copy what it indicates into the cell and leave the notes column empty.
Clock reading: 10:46:27
